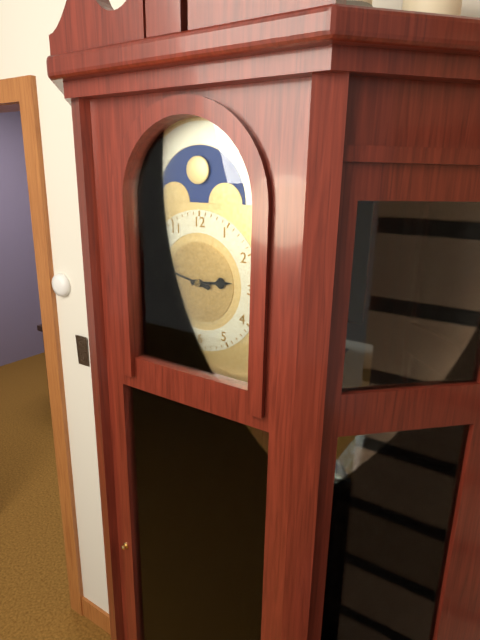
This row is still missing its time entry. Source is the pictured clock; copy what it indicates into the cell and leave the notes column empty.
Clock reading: 2:47
